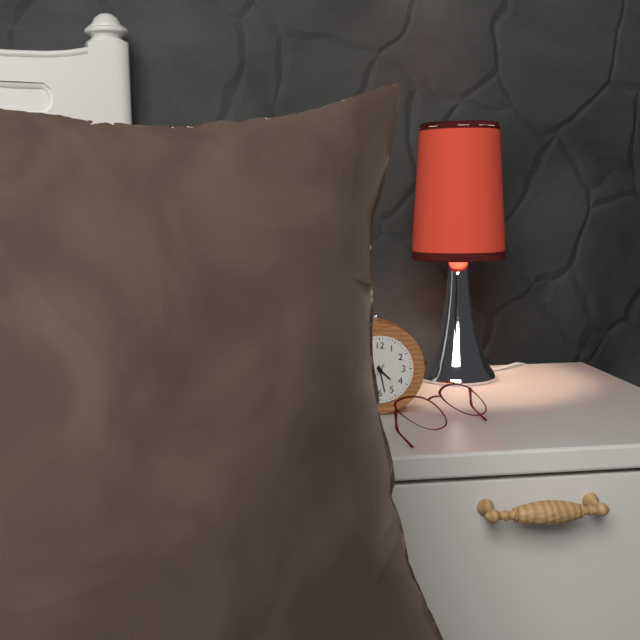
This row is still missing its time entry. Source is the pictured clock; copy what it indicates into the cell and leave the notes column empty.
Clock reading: 4:28
